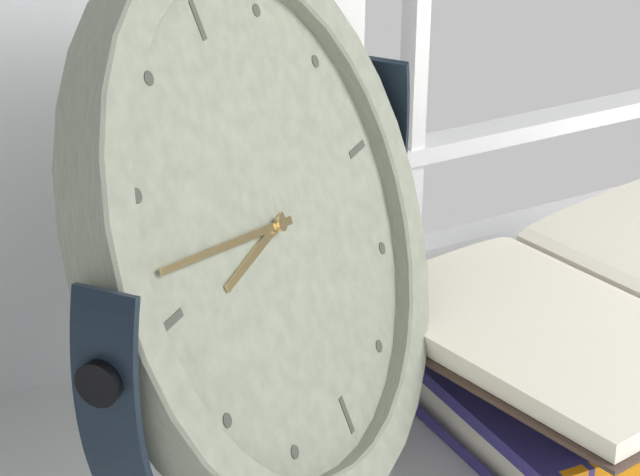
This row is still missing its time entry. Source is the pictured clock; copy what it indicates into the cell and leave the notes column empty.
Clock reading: 8:47
